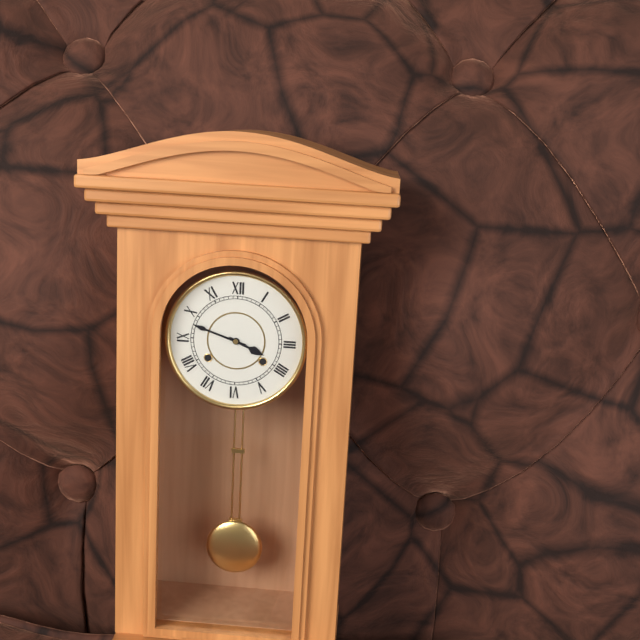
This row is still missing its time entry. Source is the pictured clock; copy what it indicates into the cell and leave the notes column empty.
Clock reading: 3:48
